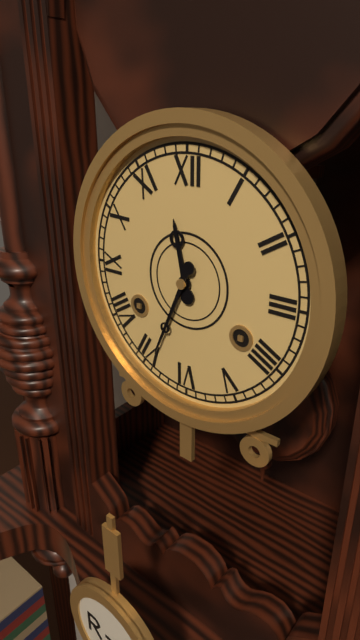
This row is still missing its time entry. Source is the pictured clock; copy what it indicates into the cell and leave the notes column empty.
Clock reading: 11:34
